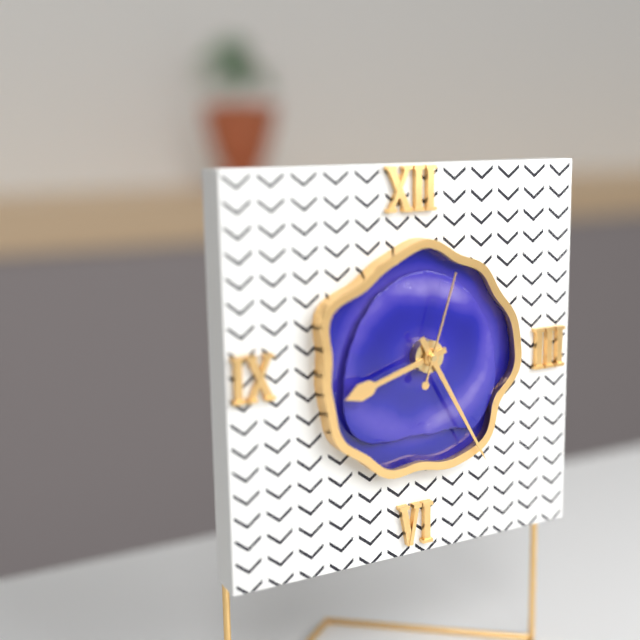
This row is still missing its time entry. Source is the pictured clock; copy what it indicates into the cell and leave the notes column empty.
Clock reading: 8:25:03
